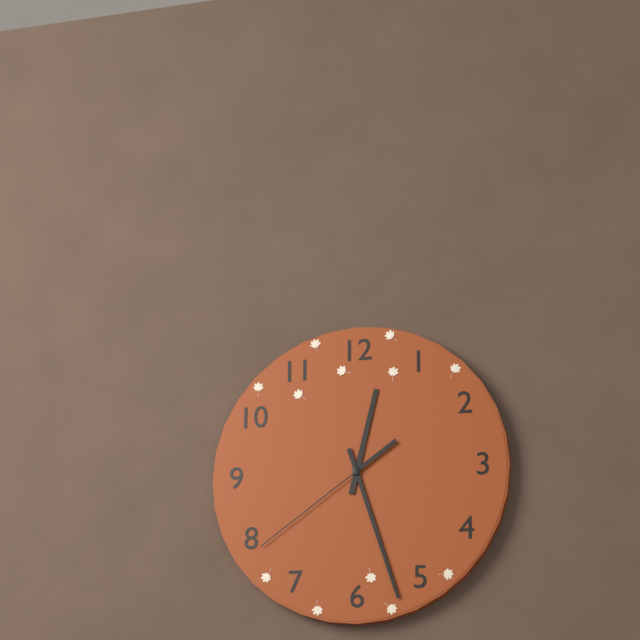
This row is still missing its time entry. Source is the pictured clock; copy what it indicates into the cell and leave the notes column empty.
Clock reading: 12:27:39
